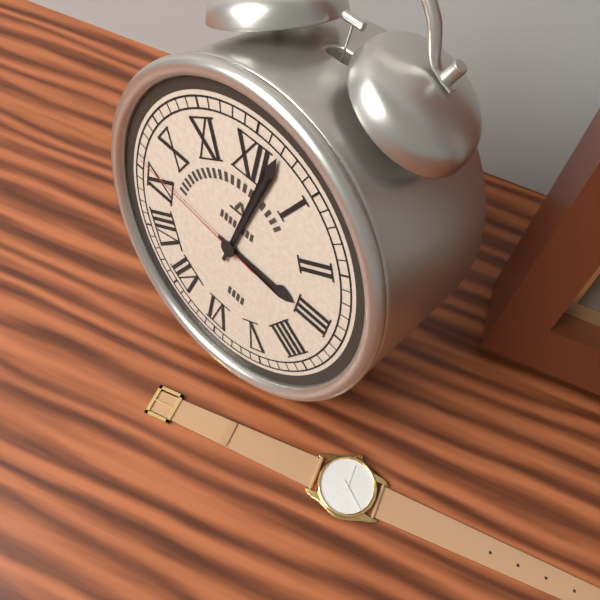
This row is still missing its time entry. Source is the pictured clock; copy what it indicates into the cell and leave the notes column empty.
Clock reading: 3:02:46
